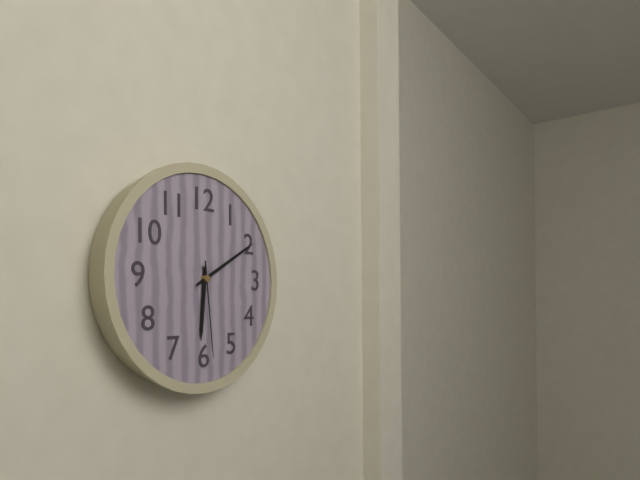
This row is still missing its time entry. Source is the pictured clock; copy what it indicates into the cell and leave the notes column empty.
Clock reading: 6:10:29
